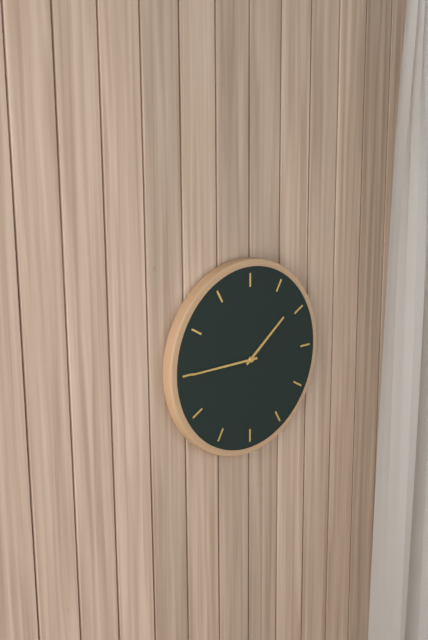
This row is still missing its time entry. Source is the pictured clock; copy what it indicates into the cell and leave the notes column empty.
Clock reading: 1:45
